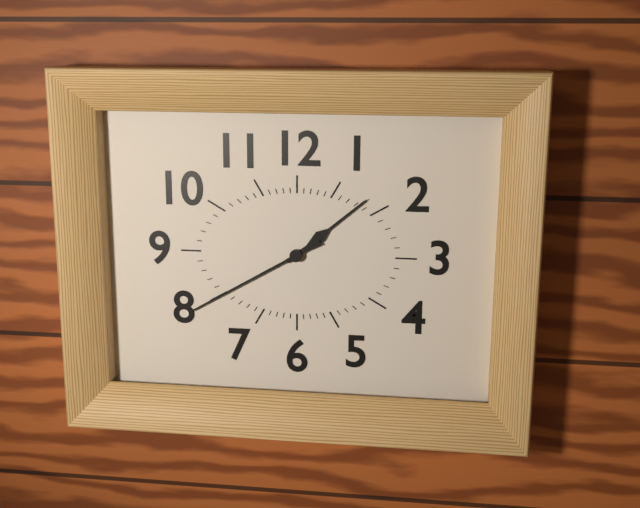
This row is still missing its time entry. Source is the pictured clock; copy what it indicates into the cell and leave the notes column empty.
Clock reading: 1:40
